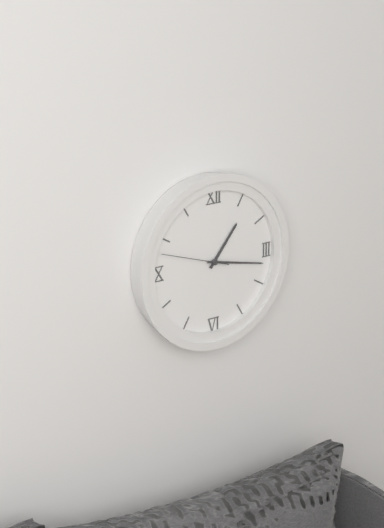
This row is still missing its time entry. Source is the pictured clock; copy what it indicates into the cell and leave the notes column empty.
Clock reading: 1:17:48
